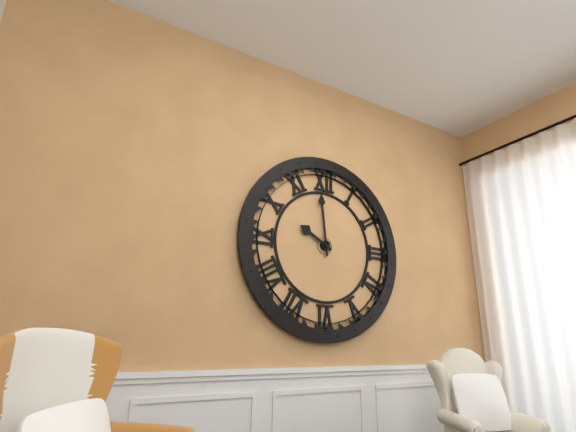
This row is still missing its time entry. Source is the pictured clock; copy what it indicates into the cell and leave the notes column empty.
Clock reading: 9:59
